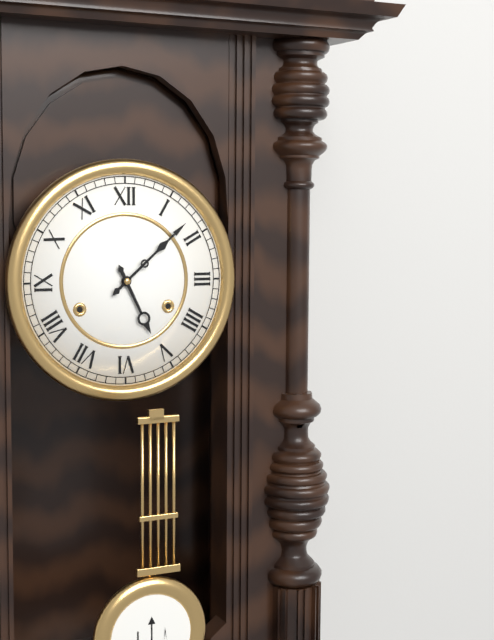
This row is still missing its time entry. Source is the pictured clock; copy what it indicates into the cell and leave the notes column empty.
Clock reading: 5:08
